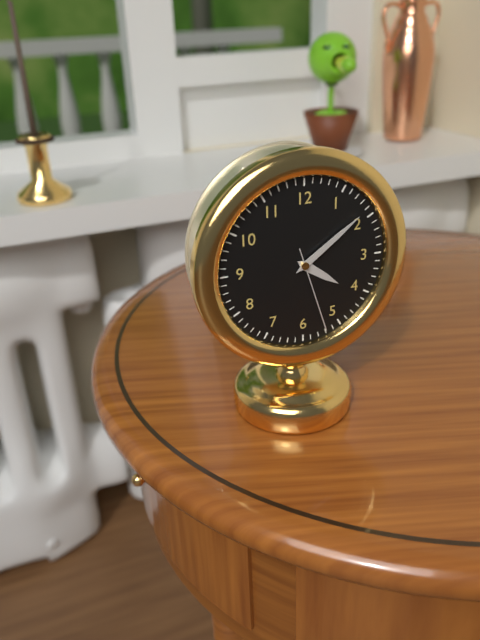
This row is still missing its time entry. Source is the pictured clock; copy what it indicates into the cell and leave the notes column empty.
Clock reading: 4:09:27
